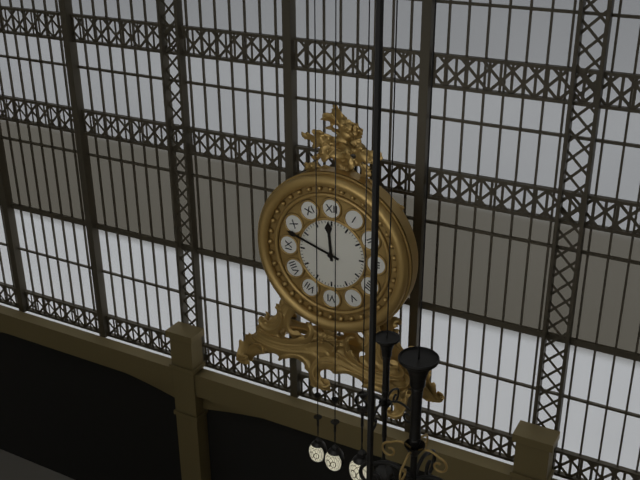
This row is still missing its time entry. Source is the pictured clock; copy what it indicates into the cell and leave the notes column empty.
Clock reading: 11:48
